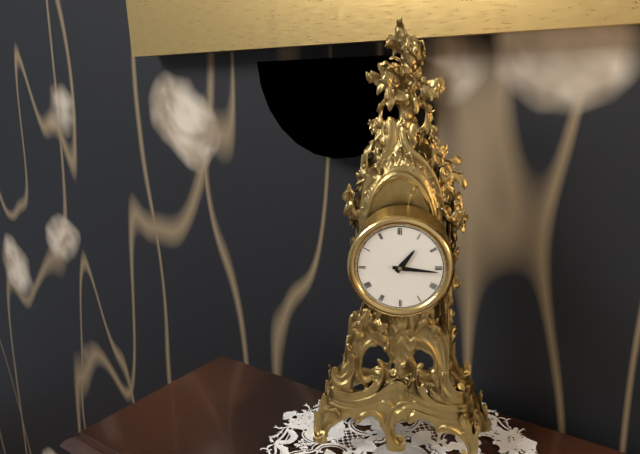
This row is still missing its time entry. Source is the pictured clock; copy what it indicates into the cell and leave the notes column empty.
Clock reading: 1:16
